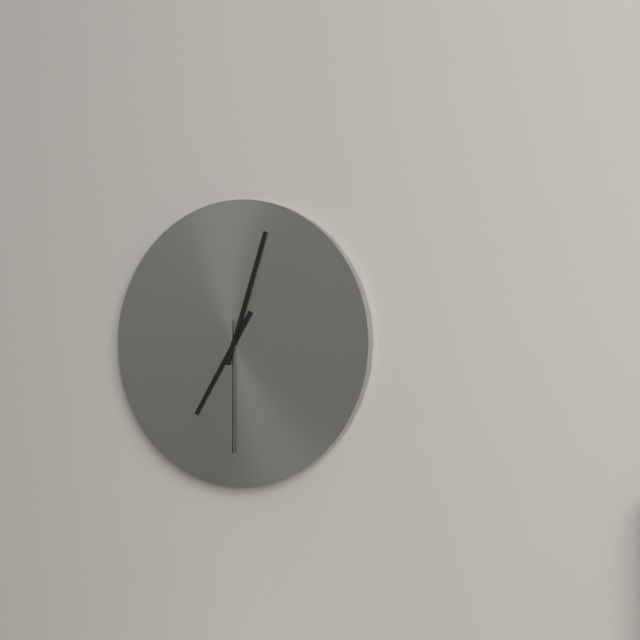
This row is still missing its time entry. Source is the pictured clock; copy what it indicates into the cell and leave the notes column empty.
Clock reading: 7:03:30
